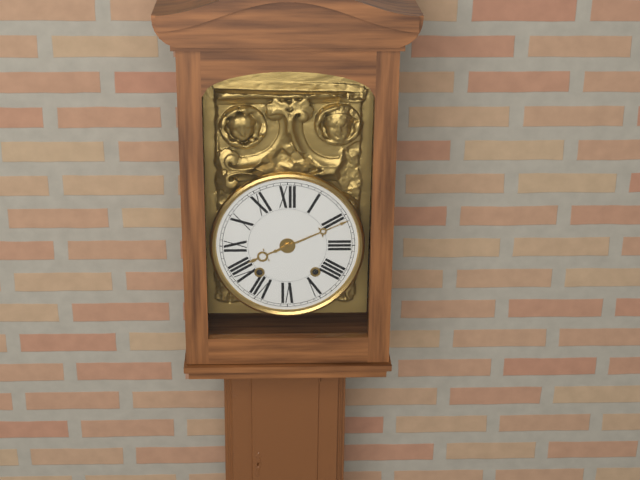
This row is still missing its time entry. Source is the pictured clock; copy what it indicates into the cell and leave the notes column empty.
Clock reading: 8:11
